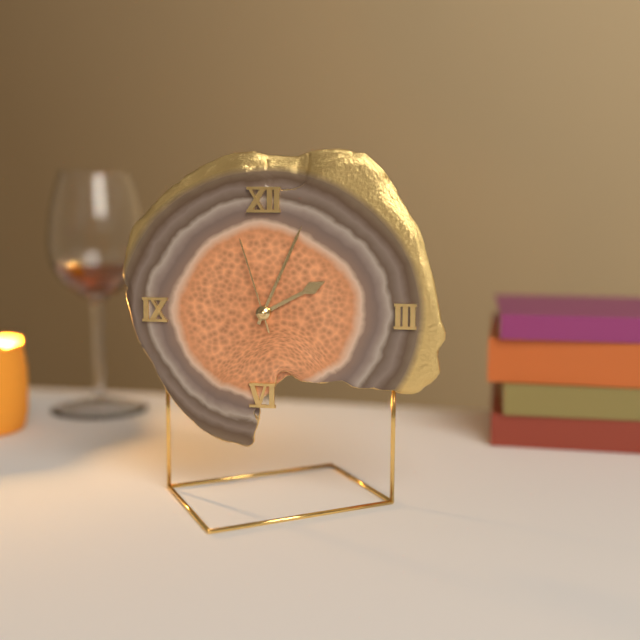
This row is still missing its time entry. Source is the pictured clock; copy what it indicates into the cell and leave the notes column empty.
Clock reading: 2:04:57
